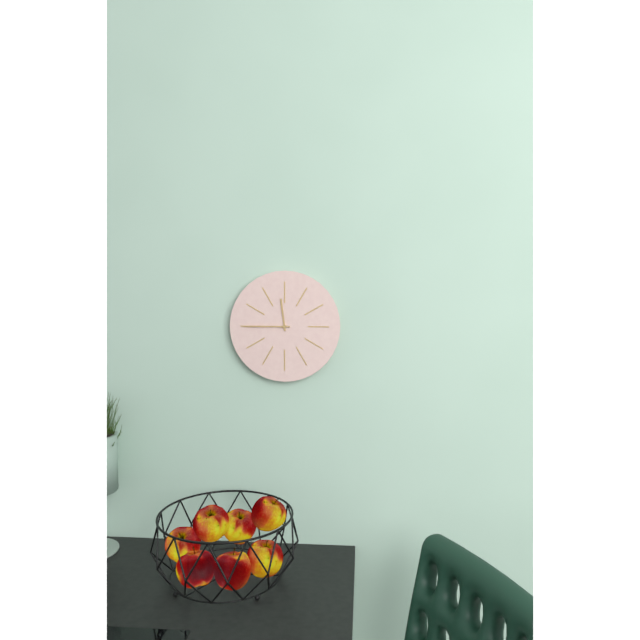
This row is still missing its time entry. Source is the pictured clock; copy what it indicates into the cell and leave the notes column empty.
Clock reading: 11:45
